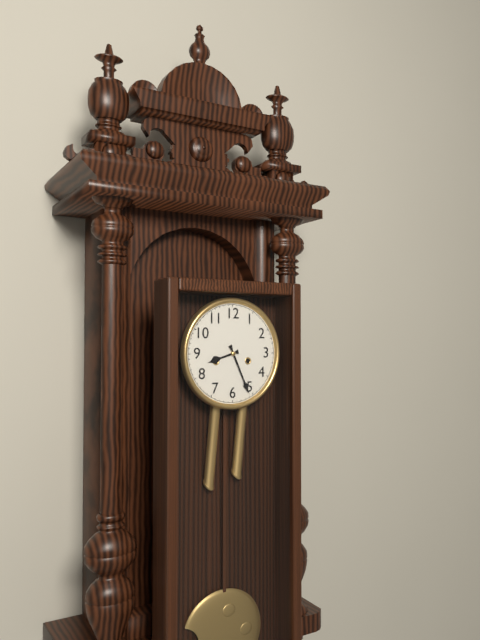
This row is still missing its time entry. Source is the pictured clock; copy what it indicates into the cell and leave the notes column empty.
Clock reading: 8:26
